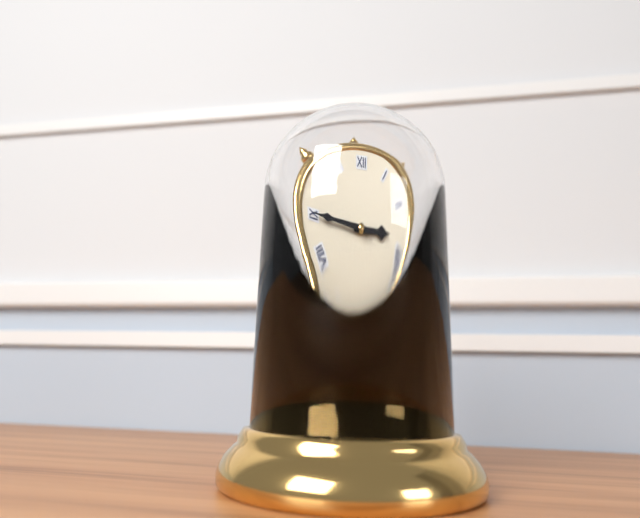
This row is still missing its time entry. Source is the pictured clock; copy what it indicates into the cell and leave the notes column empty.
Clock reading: 2:45
